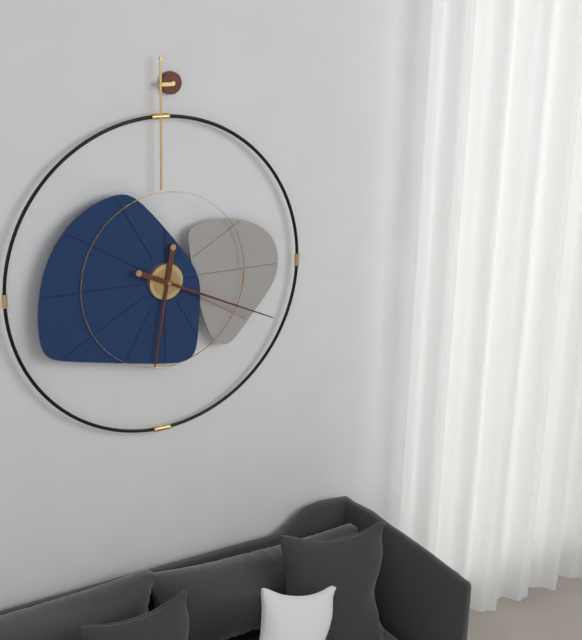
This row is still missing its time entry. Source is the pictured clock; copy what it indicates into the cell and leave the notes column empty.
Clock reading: 6:19
